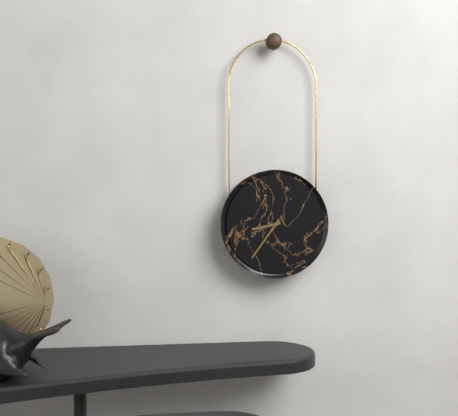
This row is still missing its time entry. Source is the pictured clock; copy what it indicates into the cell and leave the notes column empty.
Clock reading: 8:36
